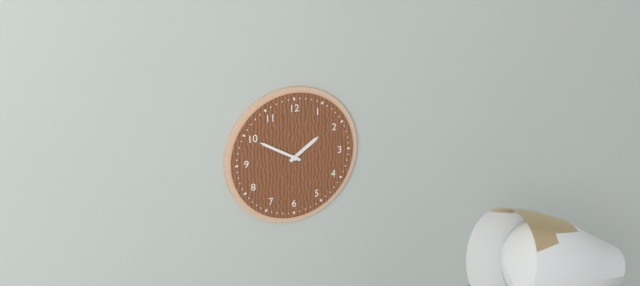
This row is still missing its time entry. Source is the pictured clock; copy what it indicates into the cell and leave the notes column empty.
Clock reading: 1:50
